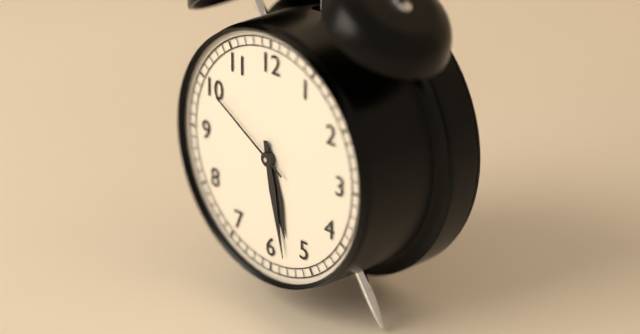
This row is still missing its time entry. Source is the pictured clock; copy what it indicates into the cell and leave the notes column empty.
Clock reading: 5:28:50
